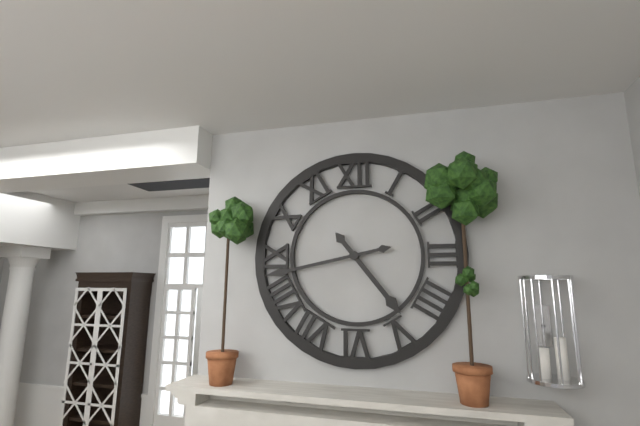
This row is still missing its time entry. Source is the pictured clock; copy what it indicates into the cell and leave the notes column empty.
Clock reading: 4:43
